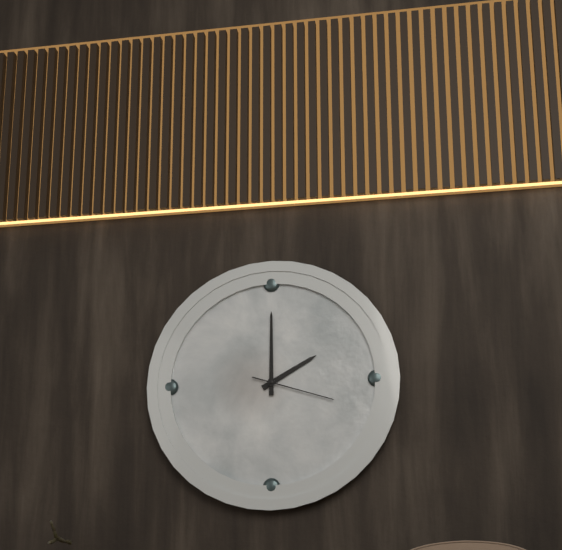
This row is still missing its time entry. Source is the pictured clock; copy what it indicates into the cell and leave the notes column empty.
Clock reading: 2:00:18
